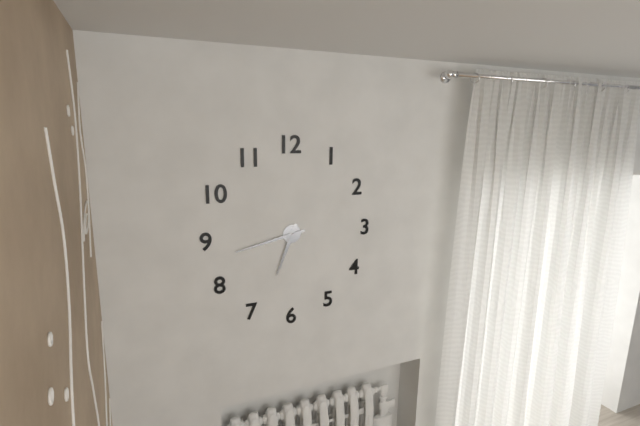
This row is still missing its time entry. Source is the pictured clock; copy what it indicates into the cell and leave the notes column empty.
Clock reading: 6:43
